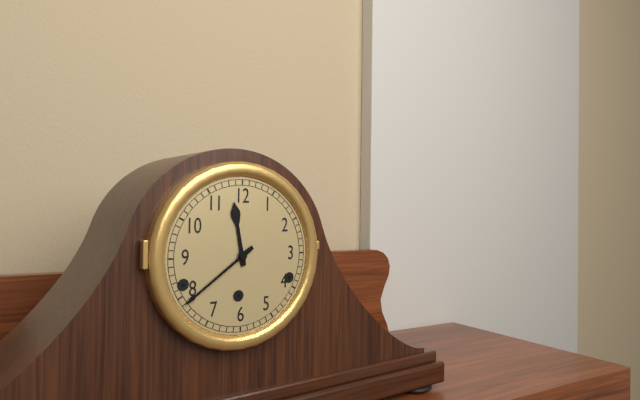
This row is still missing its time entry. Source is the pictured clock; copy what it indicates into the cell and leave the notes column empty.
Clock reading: 11:39
